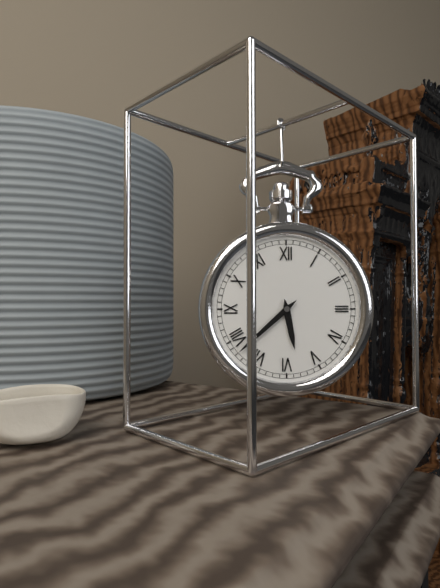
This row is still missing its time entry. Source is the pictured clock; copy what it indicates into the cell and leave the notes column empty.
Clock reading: 5:38
